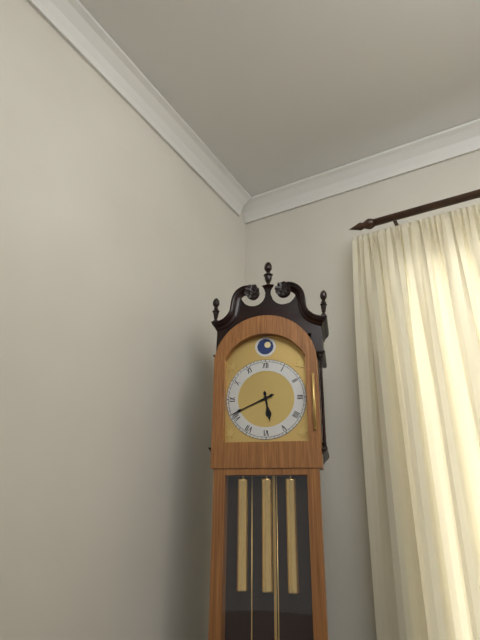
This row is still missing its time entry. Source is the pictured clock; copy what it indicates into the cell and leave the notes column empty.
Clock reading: 5:41
